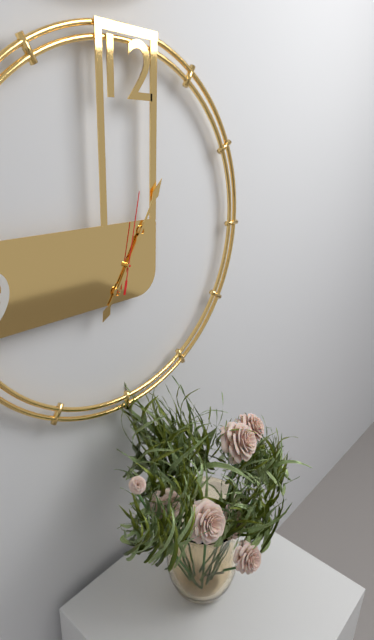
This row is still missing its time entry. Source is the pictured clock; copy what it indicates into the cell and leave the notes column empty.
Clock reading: 7:05:02
